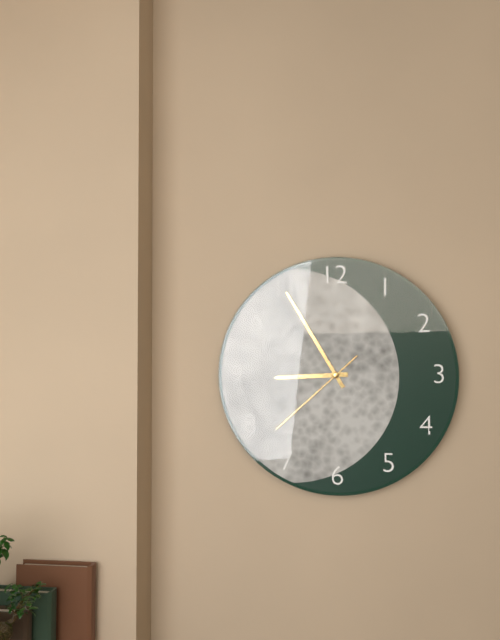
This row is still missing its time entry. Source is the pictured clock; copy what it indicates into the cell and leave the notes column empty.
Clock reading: 8:55:38
